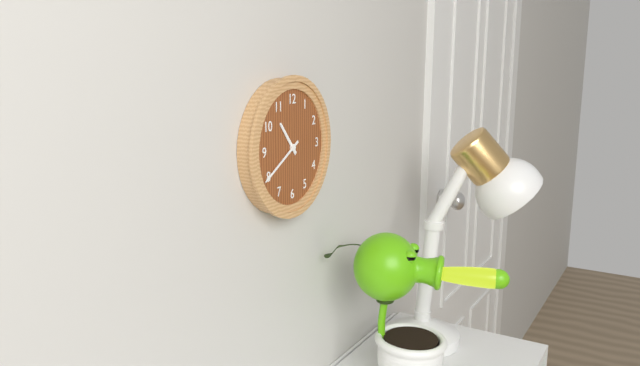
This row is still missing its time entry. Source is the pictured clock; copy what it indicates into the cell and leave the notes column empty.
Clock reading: 10:40
